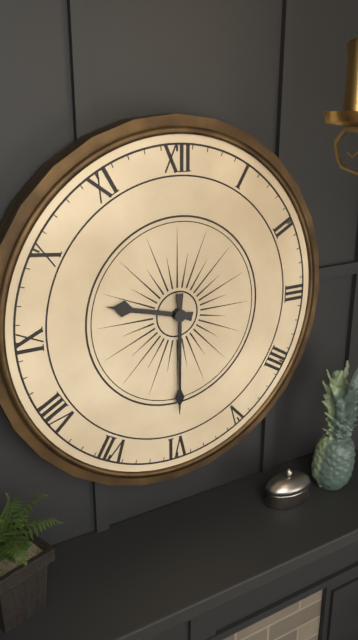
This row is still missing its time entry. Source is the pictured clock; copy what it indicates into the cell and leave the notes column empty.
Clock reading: 9:30
